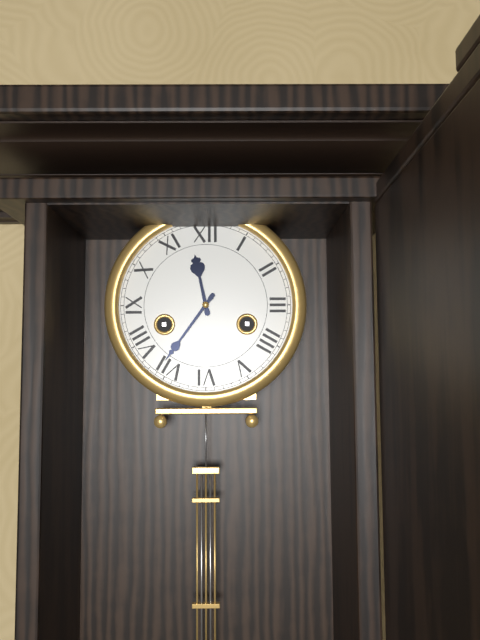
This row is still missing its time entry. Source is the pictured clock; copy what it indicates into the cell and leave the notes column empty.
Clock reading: 11:36
